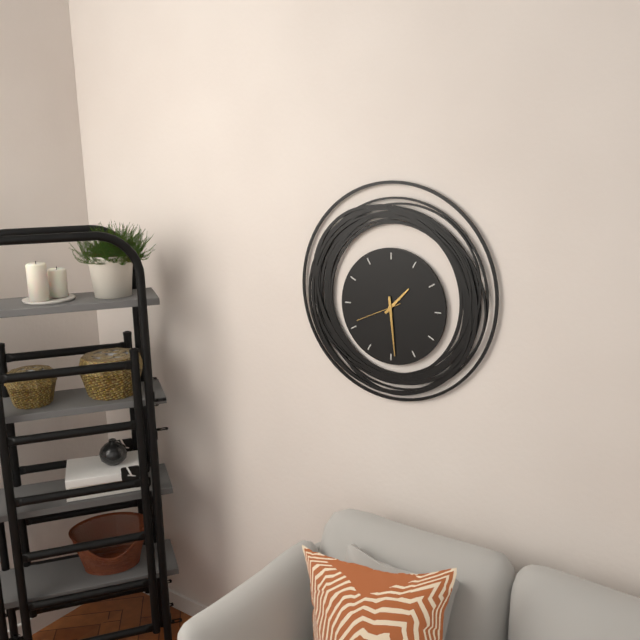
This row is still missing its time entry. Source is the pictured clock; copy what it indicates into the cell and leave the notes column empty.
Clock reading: 1:29
